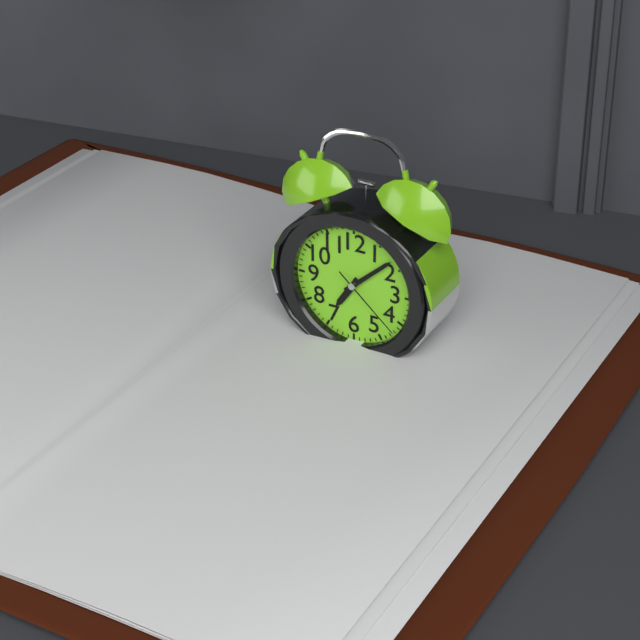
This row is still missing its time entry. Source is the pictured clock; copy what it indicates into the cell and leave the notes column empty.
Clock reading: 7:08:22
